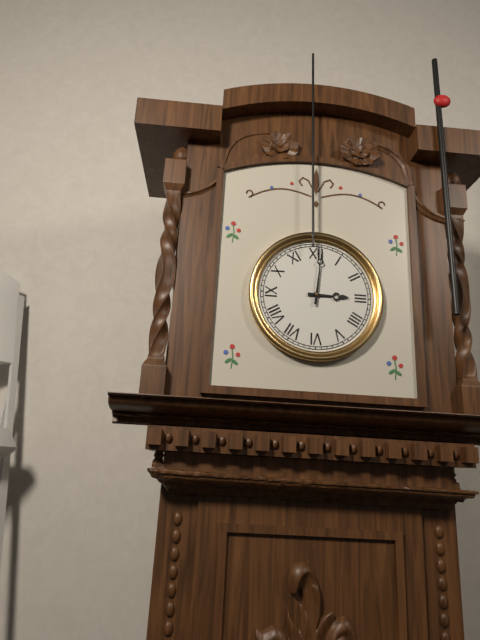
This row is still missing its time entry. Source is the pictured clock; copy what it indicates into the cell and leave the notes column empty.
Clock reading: 3:01
